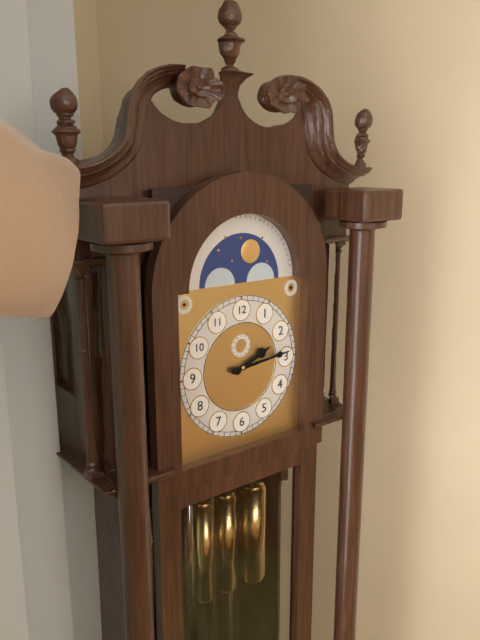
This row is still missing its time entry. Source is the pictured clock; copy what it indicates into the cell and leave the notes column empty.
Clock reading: 2:14
